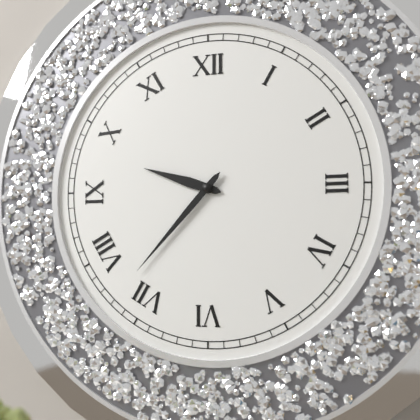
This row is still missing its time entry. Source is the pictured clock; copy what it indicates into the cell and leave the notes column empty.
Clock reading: 9:37
